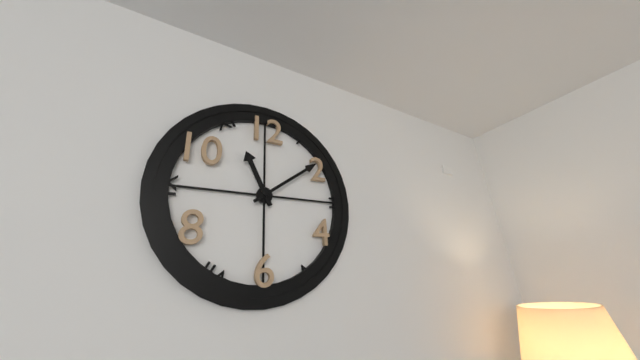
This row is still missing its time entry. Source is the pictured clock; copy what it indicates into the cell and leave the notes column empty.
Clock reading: 11:09
